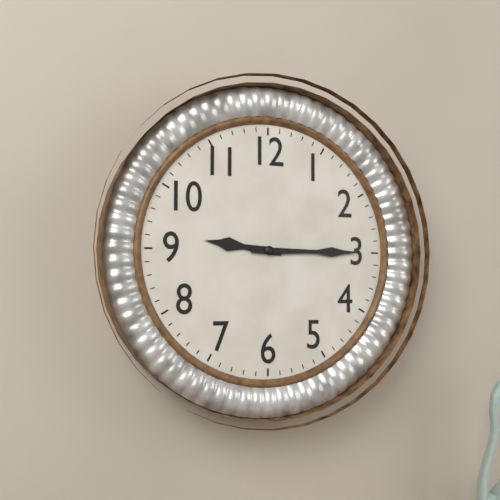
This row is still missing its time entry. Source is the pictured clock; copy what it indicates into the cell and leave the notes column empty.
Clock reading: 9:15
